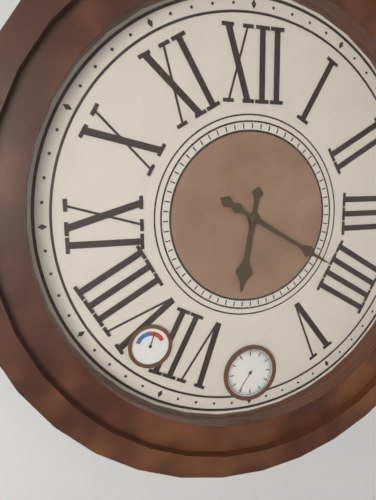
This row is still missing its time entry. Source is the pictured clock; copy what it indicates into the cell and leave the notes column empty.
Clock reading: 6:20
